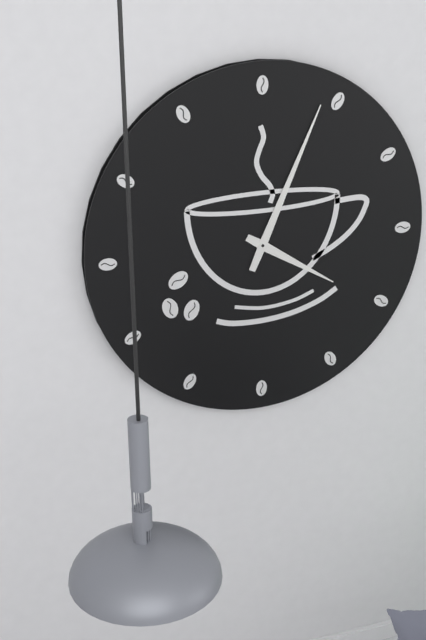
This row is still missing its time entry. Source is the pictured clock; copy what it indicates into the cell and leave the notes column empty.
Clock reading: 4:04
